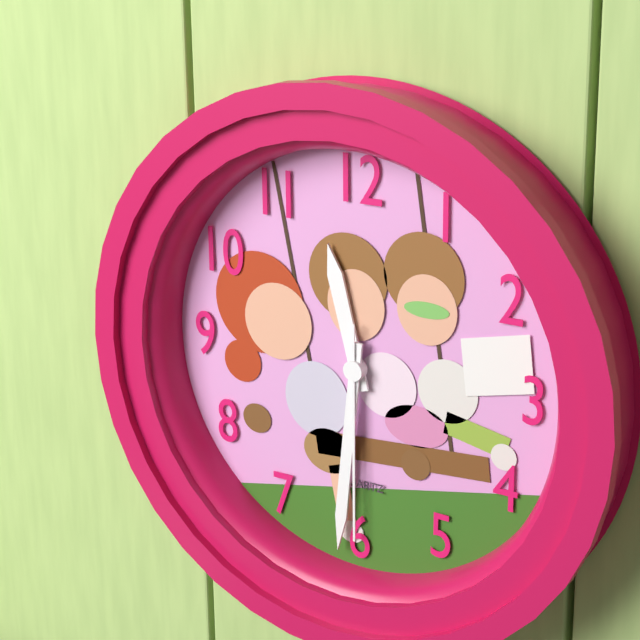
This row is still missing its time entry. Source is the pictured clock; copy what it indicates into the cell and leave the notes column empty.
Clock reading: 11:31:30
